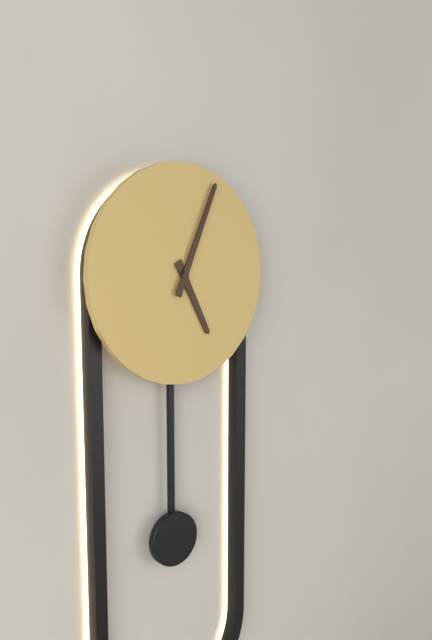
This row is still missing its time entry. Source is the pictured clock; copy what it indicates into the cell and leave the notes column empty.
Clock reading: 5:04
